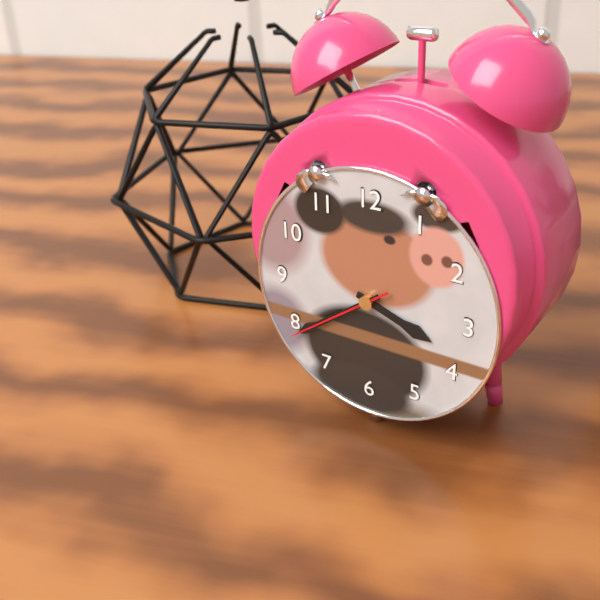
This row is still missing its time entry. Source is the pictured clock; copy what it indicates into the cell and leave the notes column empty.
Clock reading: 3:39:39
